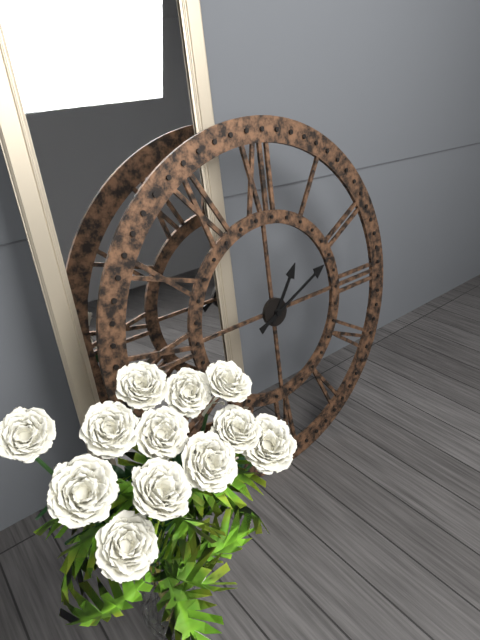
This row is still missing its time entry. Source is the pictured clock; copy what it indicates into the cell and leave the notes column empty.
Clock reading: 1:11
